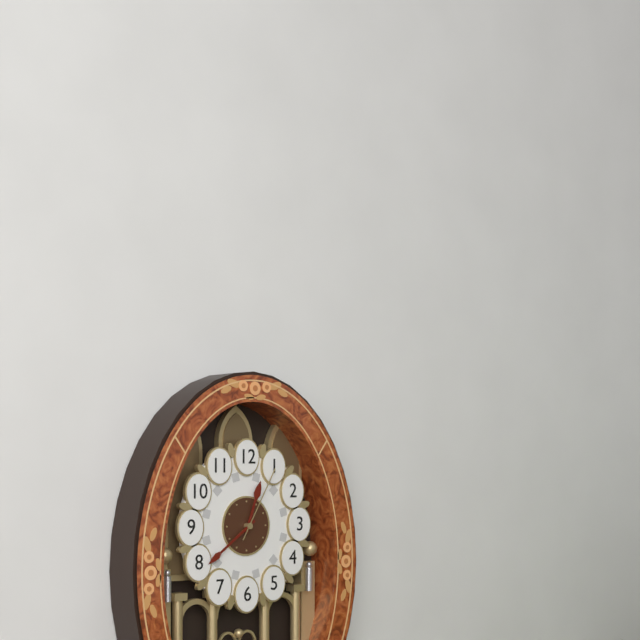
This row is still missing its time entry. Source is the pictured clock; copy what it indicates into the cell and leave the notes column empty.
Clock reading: 12:39:05
